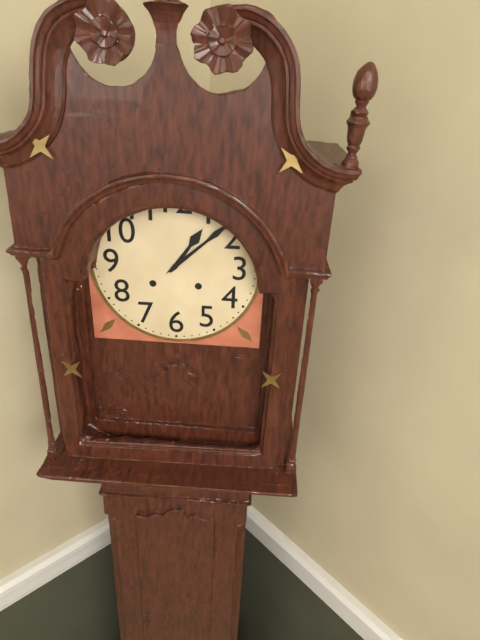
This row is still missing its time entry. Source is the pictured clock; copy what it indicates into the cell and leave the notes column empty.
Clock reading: 1:08
